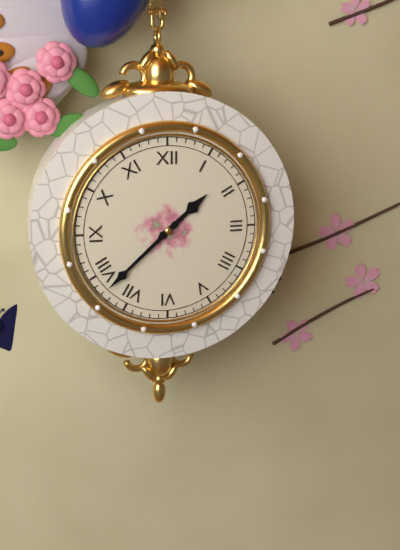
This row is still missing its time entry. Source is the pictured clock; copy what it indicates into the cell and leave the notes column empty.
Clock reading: 1:38
